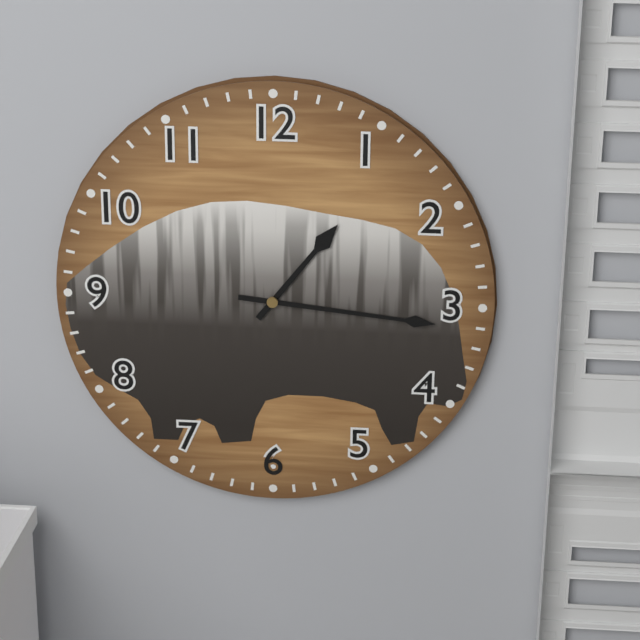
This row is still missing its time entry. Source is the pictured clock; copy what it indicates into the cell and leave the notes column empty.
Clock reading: 1:16
